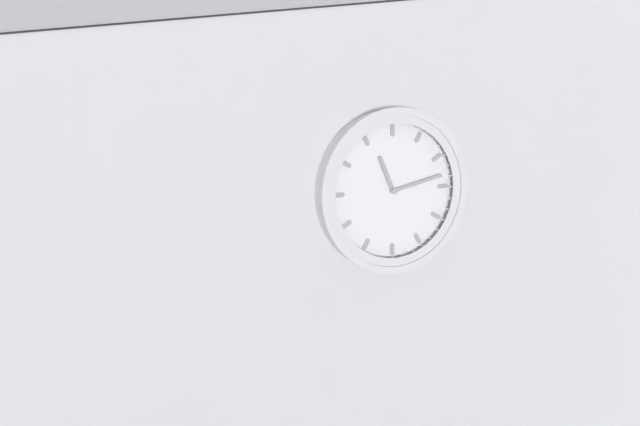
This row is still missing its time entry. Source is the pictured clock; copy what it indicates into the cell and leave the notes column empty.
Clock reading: 11:13
